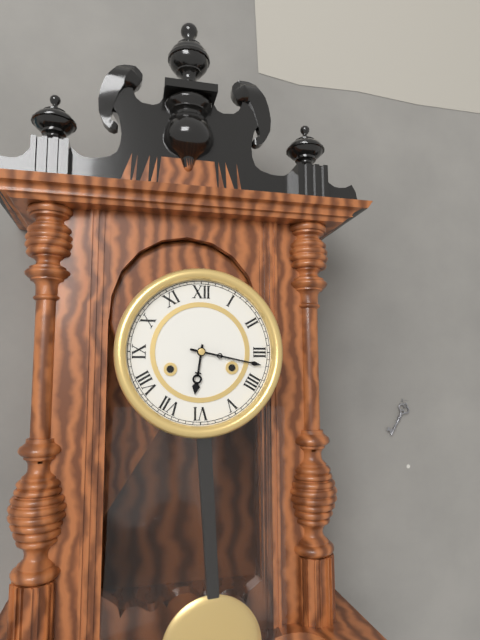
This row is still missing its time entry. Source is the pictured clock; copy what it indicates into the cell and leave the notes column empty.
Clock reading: 6:17
